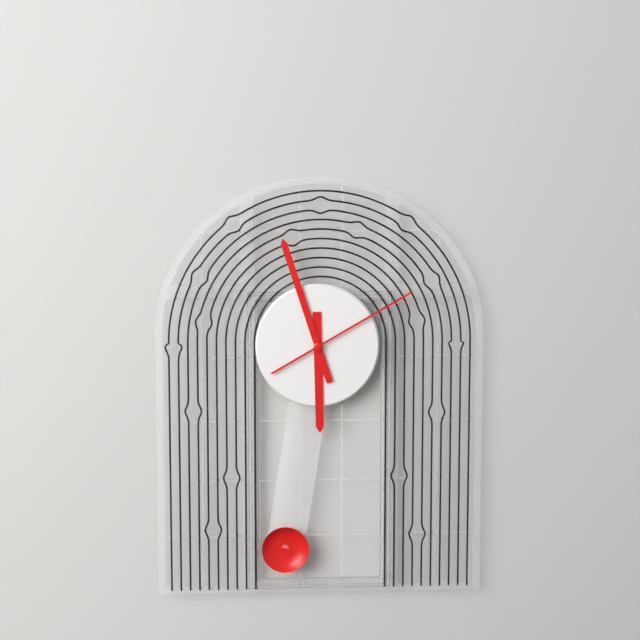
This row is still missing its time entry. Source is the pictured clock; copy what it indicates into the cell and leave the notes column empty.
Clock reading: 5:57:10
